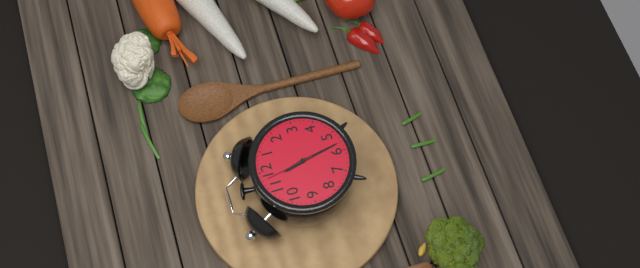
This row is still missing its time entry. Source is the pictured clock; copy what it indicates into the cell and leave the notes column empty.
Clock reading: 11:28
